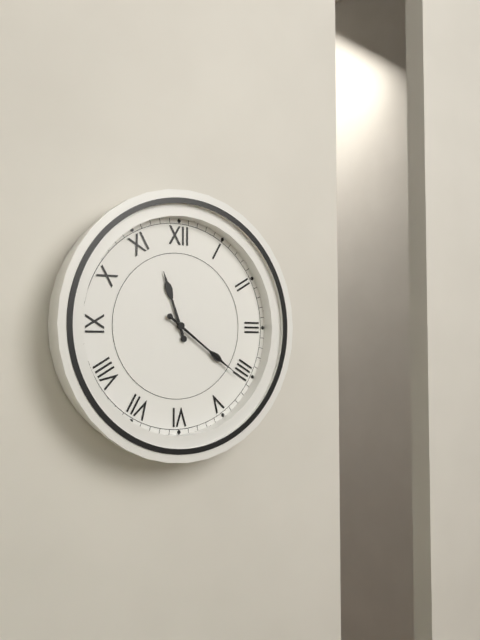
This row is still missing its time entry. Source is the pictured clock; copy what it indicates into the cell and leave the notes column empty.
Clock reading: 11:21:21
